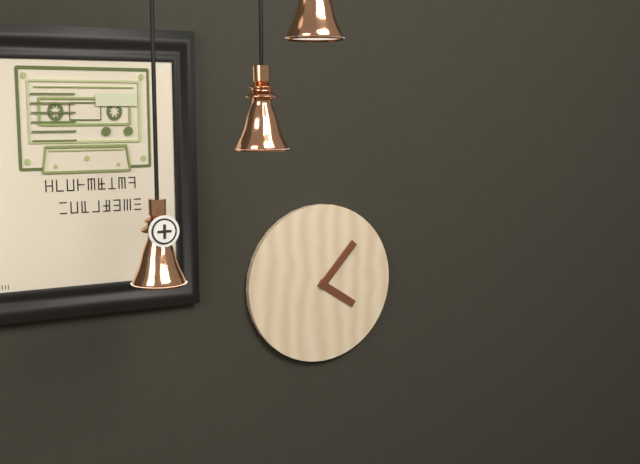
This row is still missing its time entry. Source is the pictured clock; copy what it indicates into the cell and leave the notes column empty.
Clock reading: 4:07
